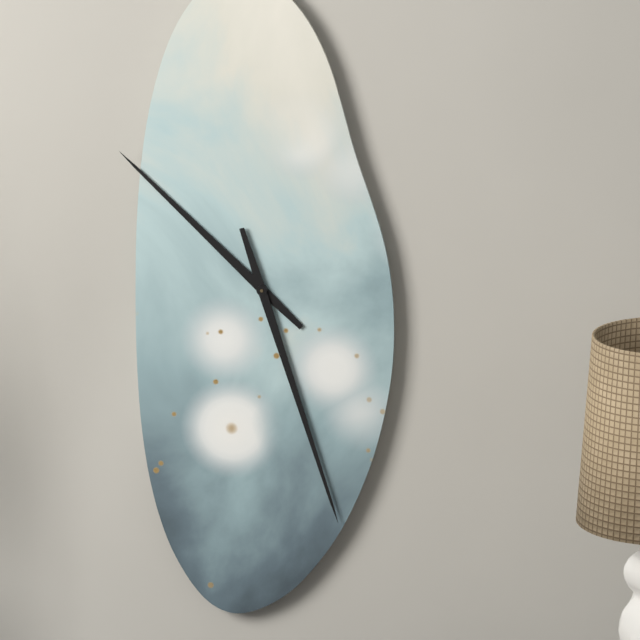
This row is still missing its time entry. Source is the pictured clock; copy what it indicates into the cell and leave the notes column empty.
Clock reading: 10:27
